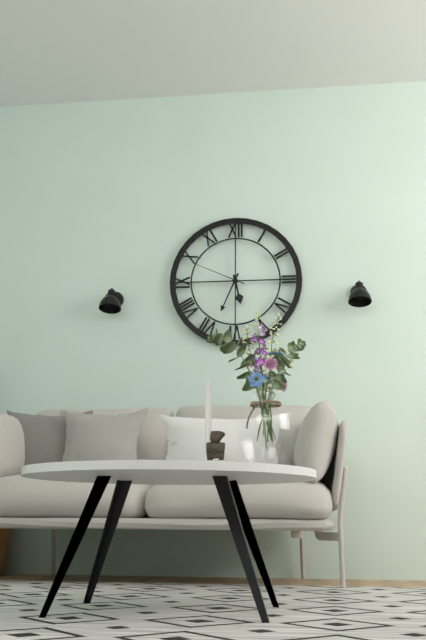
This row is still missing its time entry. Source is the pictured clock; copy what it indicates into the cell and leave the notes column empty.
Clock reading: 5:34:49
